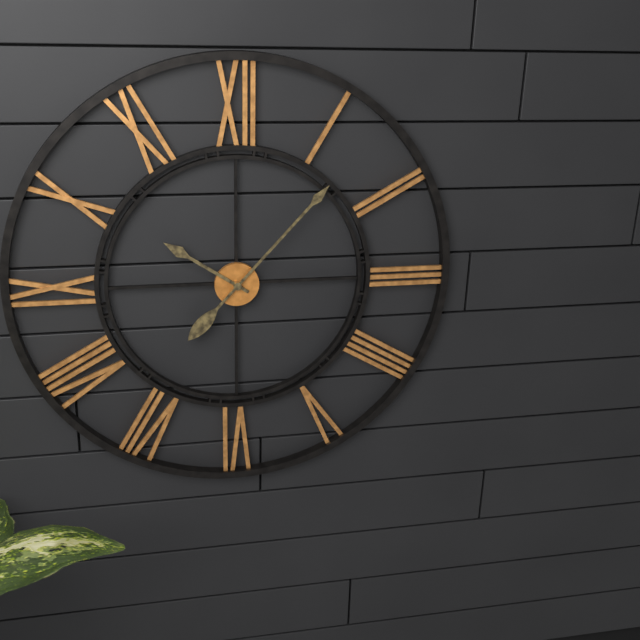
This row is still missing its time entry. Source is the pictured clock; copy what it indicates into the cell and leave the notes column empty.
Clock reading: 10:07
